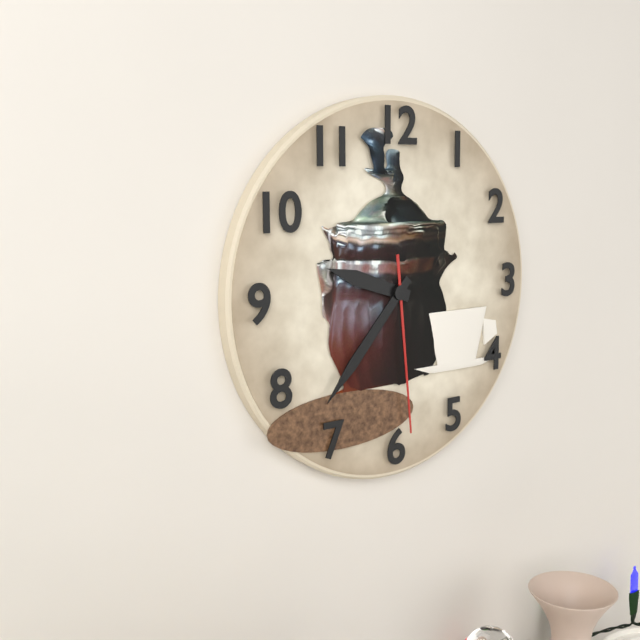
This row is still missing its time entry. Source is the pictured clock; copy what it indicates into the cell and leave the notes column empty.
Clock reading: 9:37:29
